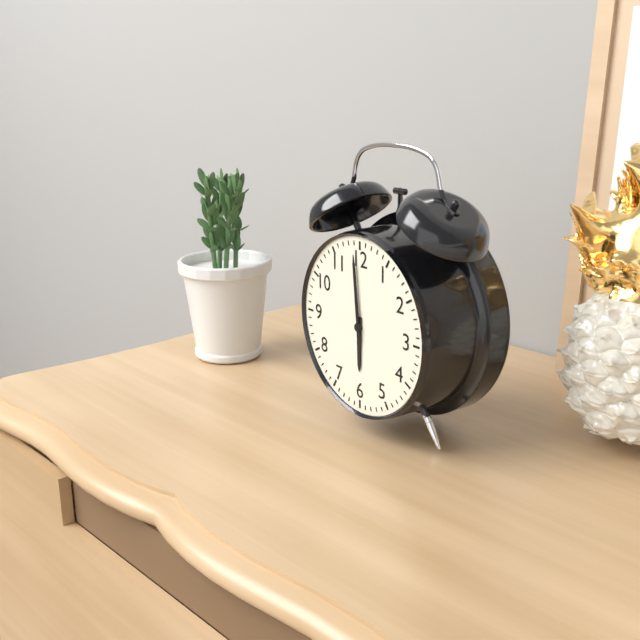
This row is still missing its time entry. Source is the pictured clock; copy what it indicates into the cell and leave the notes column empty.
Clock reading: 5:59
